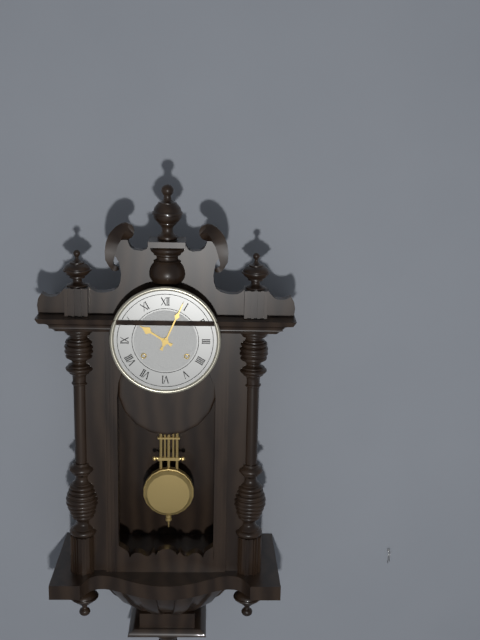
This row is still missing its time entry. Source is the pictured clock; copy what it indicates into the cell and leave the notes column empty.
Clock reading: 10:04
